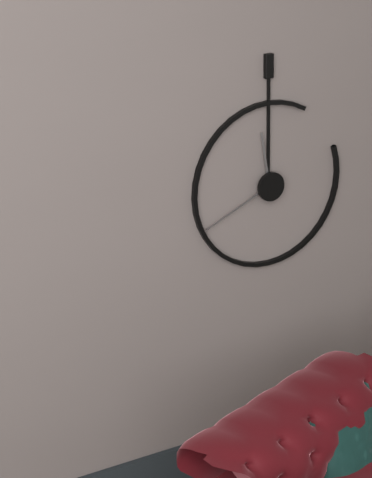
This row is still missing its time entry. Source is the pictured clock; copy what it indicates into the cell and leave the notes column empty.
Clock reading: 11:41
